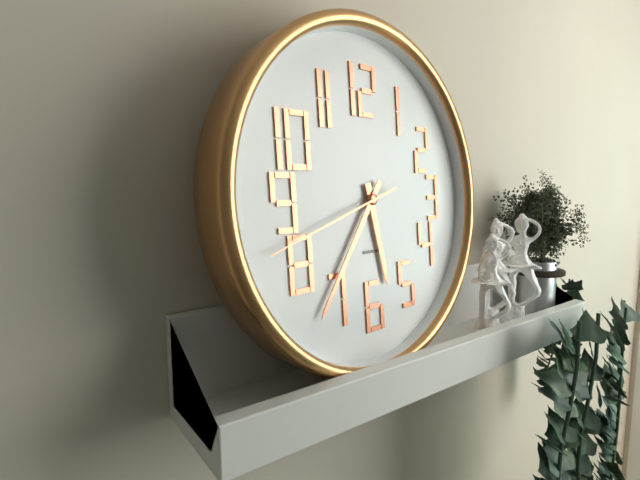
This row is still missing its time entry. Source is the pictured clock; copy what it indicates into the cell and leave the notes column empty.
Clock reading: 5:36:42
